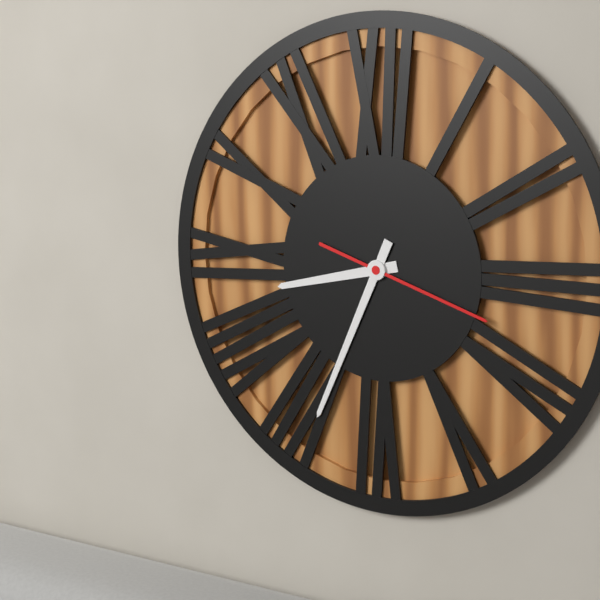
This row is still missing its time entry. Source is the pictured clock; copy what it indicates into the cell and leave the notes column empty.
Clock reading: 8:34:18
